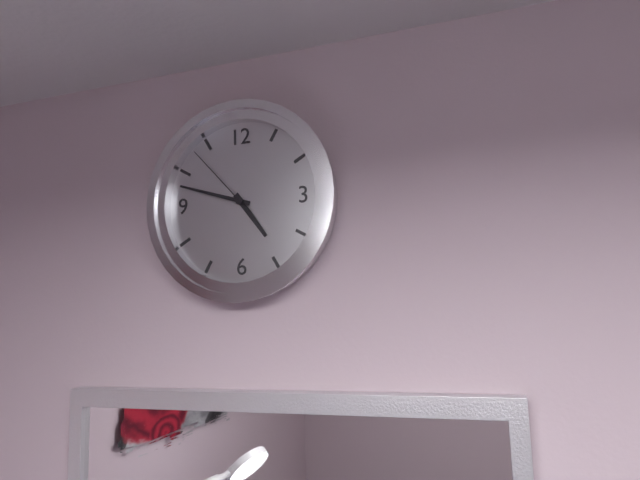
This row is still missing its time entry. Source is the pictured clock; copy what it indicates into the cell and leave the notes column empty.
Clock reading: 4:48:53
